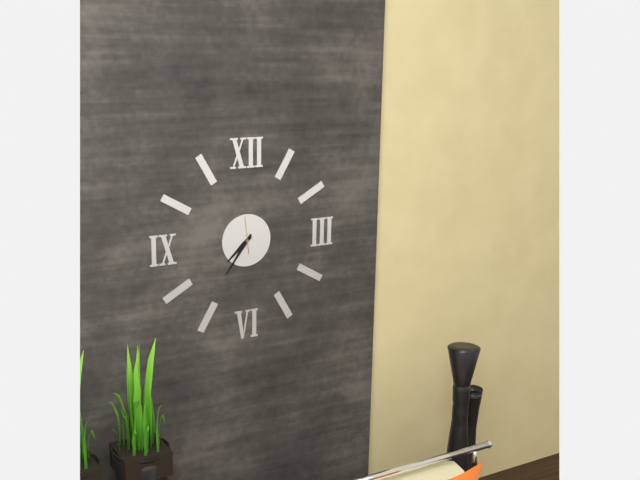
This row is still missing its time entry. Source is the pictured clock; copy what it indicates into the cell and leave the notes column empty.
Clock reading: 7:36
